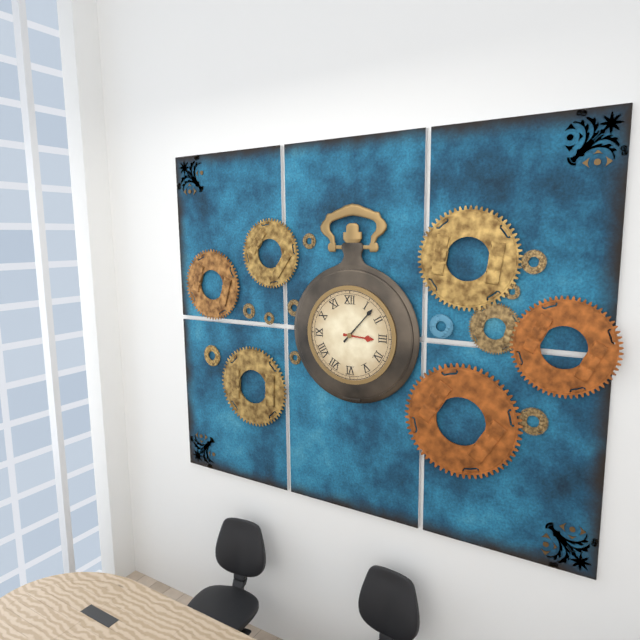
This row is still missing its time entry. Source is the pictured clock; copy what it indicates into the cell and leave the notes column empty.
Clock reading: 3:07
